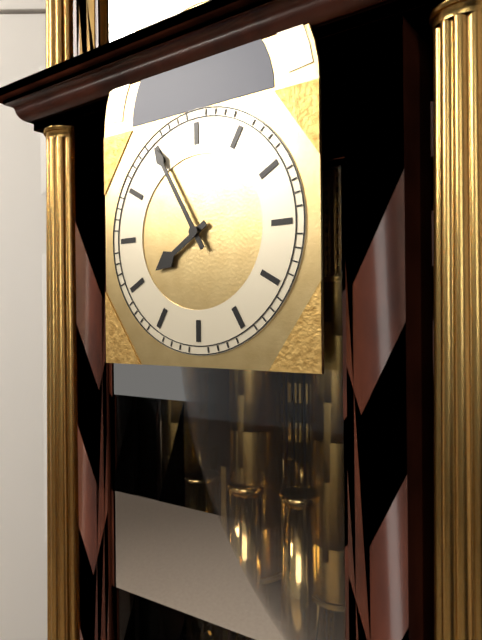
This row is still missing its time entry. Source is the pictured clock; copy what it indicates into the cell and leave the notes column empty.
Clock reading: 7:55
